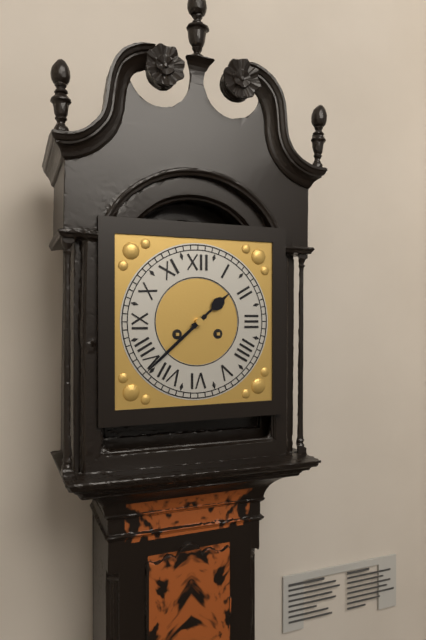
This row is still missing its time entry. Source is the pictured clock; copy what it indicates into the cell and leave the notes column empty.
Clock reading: 1:38
